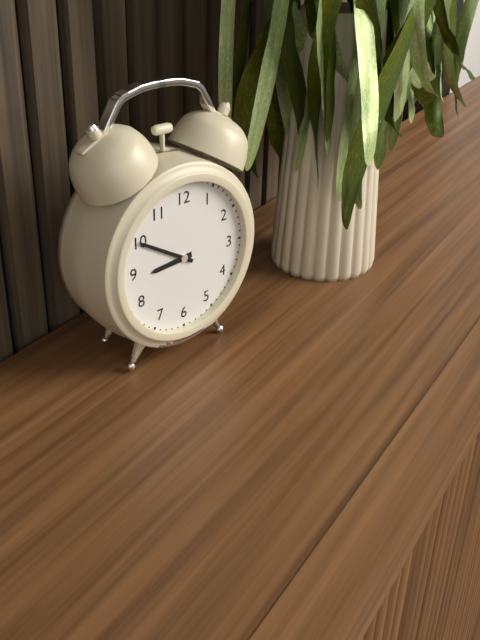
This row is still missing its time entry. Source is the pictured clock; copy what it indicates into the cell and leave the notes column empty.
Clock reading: 8:50
